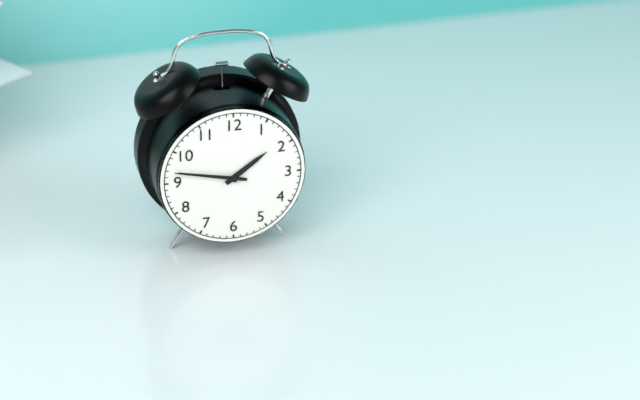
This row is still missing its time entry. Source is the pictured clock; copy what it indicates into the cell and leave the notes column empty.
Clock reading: 1:47
